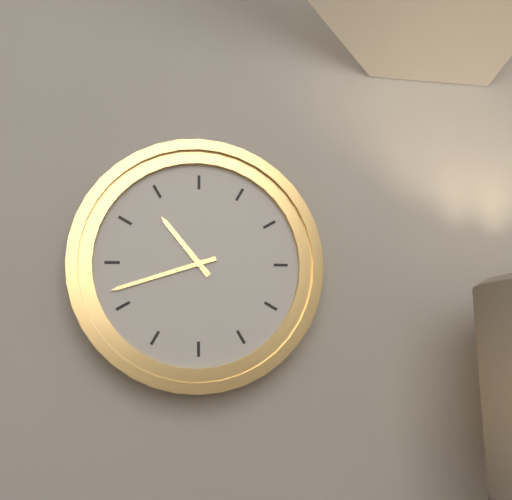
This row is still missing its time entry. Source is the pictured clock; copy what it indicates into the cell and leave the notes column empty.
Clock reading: 10:42
